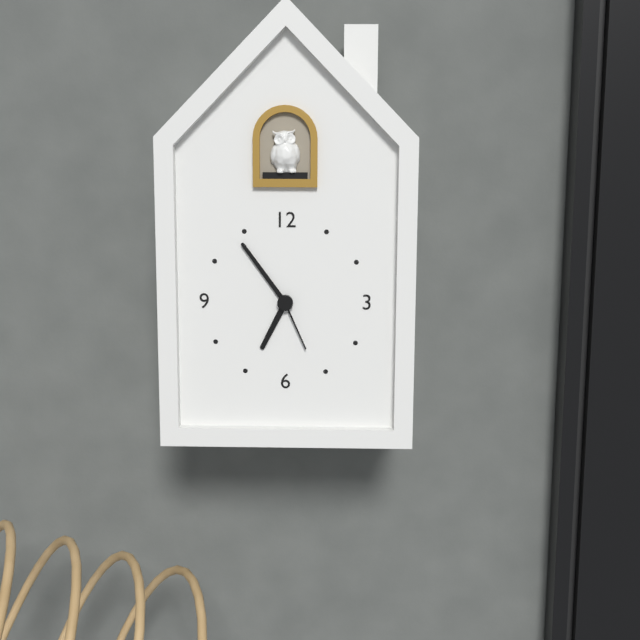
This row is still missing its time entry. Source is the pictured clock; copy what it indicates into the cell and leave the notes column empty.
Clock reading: 6:54:26
